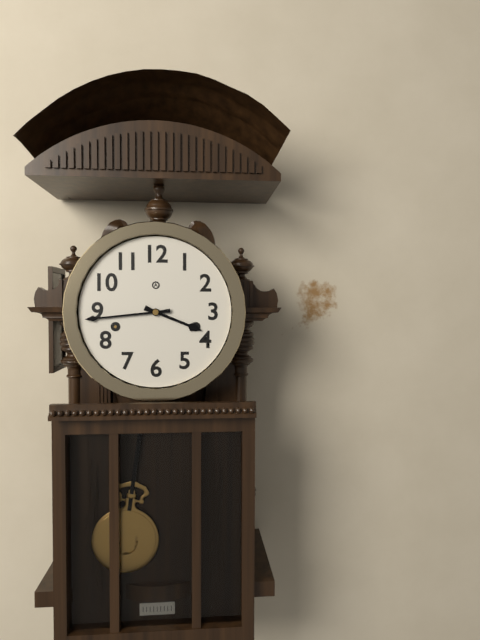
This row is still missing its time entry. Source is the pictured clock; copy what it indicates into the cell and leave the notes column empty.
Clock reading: 3:44
